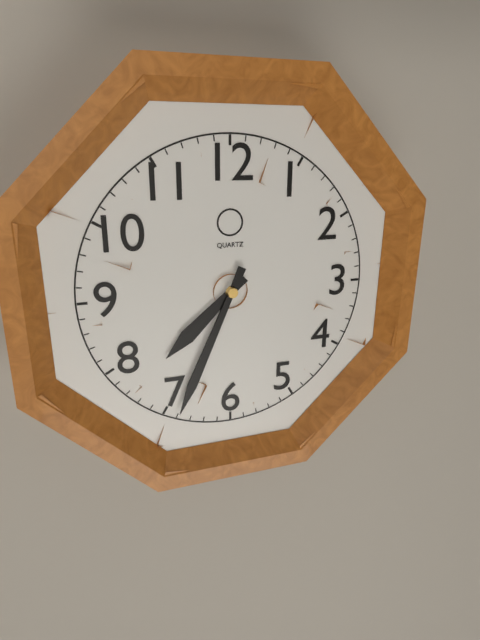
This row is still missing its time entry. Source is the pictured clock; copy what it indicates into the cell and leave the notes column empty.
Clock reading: 7:34
